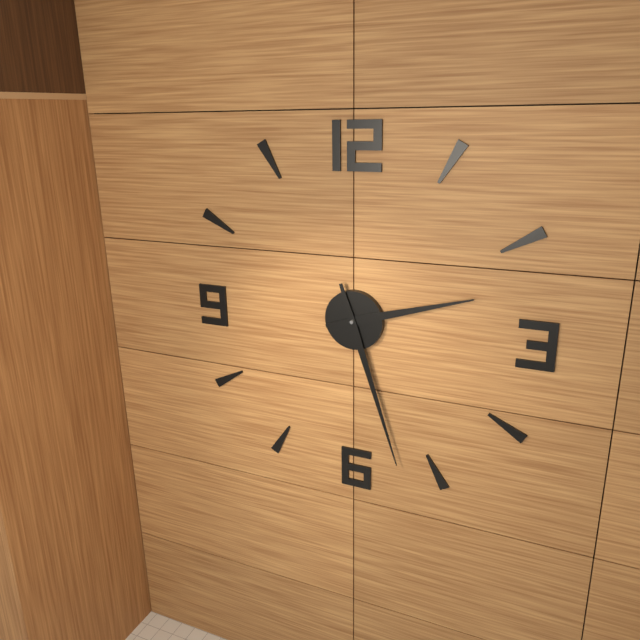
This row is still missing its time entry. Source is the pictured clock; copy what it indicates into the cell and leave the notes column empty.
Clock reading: 2:27
